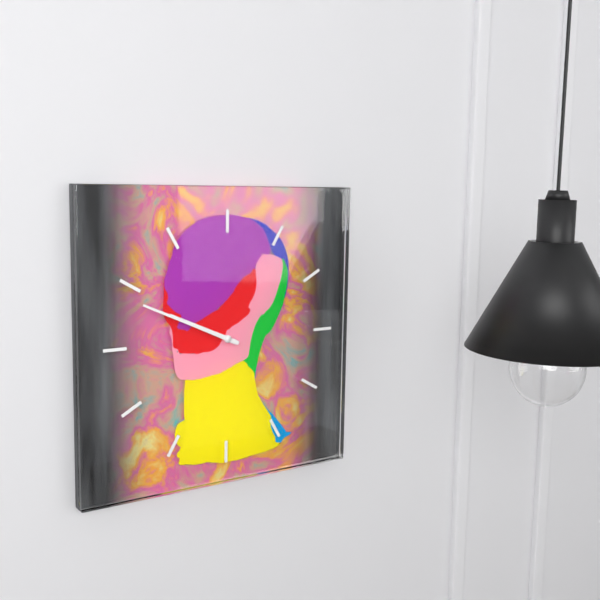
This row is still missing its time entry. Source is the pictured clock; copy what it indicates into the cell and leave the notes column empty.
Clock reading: 9:49
